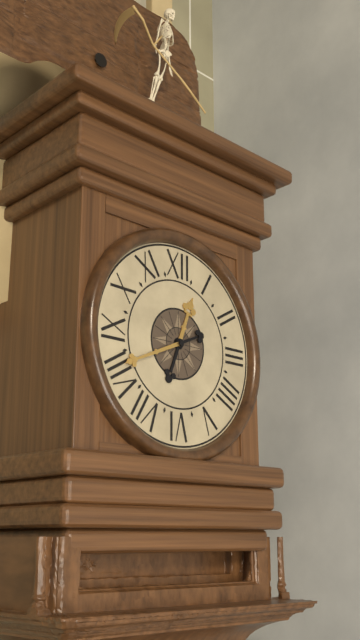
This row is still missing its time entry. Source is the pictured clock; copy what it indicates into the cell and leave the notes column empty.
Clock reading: 12:41
